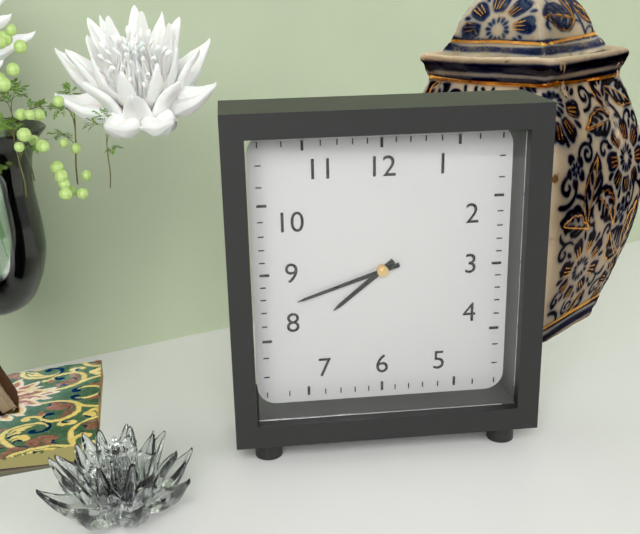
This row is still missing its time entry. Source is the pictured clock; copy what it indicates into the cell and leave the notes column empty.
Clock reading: 7:42
